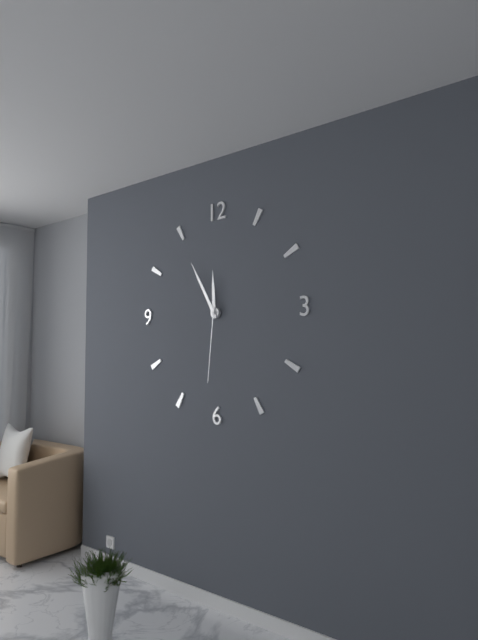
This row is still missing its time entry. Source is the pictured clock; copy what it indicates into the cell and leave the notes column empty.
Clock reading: 11:55:31
